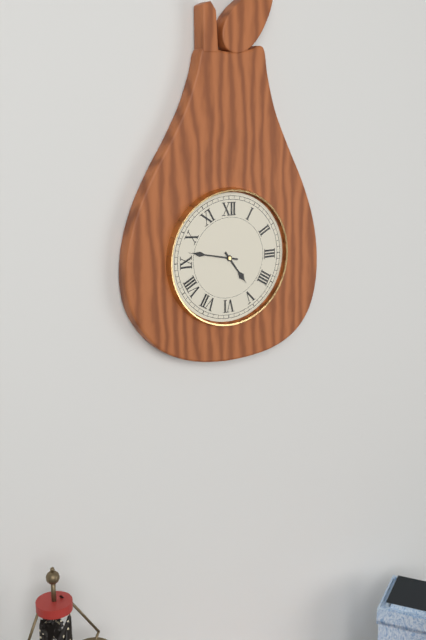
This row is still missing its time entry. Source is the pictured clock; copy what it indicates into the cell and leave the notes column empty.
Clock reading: 4:47
